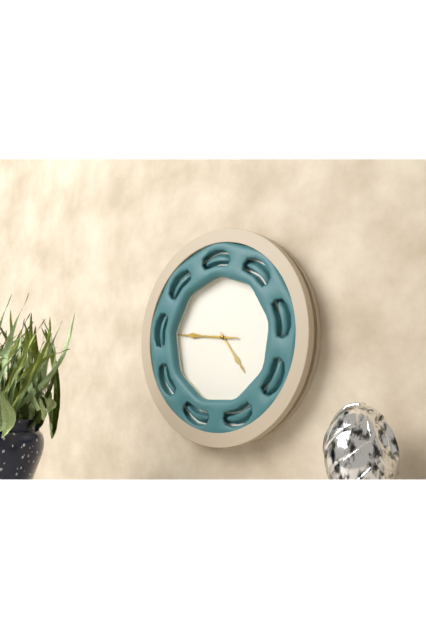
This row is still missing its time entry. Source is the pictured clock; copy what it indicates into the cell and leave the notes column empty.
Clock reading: 4:46
